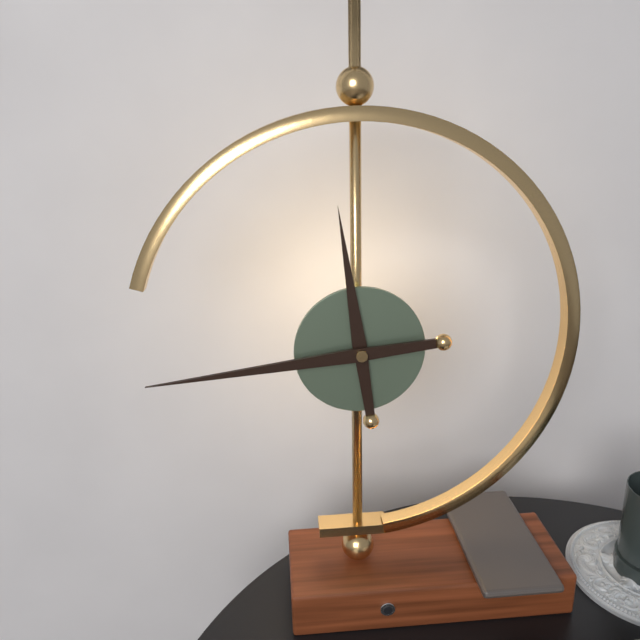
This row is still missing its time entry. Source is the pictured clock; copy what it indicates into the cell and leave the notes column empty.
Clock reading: 11:44
